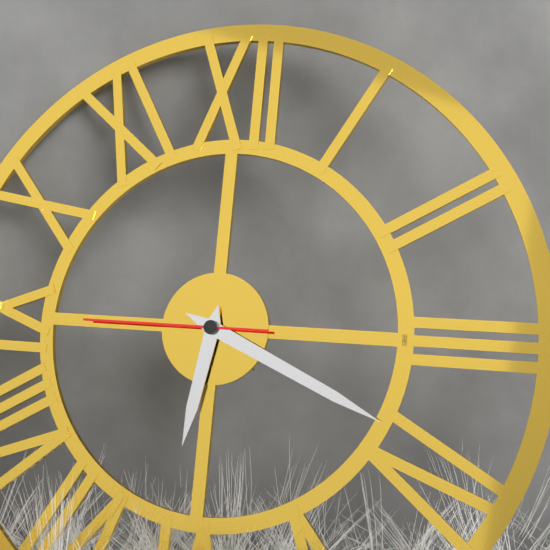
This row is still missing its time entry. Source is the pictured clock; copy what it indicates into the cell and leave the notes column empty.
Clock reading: 6:19:45
